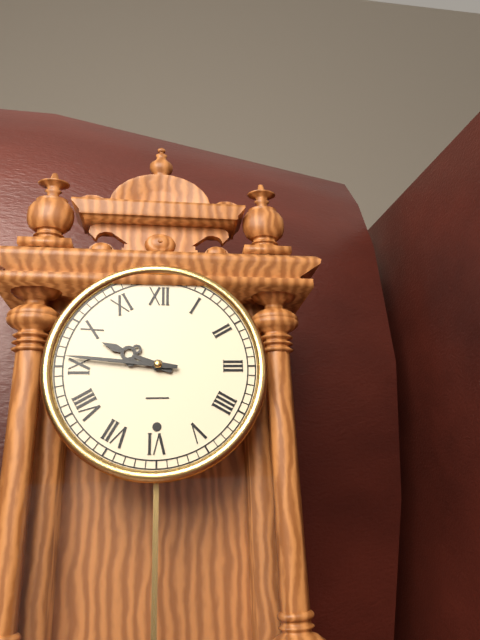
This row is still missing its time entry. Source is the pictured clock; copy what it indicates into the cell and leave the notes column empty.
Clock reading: 9:46
